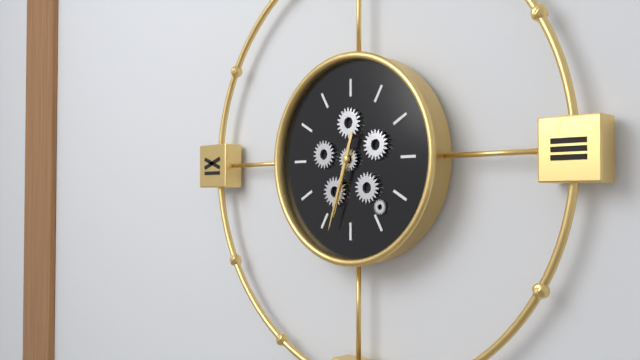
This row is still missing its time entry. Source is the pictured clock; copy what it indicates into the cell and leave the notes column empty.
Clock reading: 6:33
